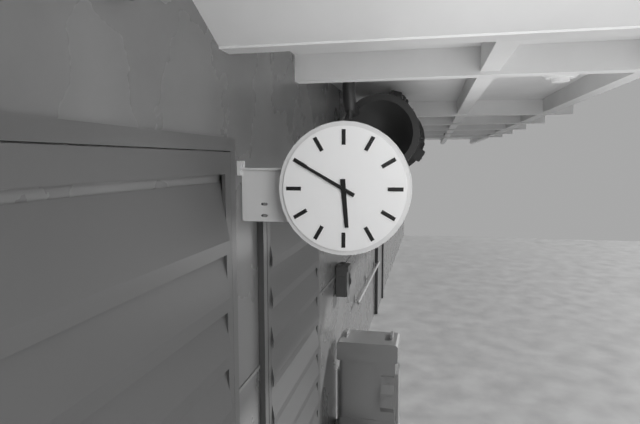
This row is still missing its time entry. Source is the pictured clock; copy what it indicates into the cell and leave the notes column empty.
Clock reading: 5:50
